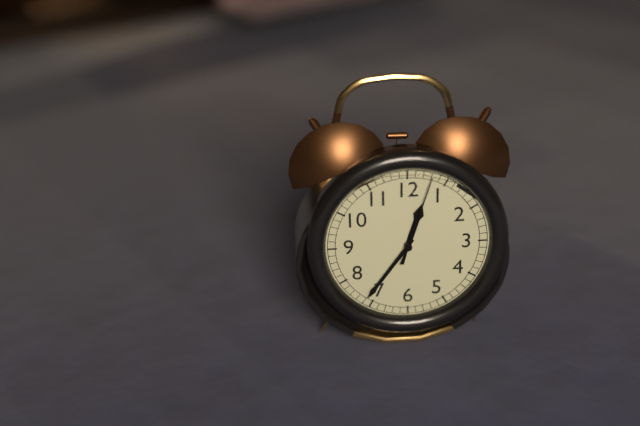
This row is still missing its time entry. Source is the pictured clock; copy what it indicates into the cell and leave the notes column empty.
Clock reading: 12:36:03
